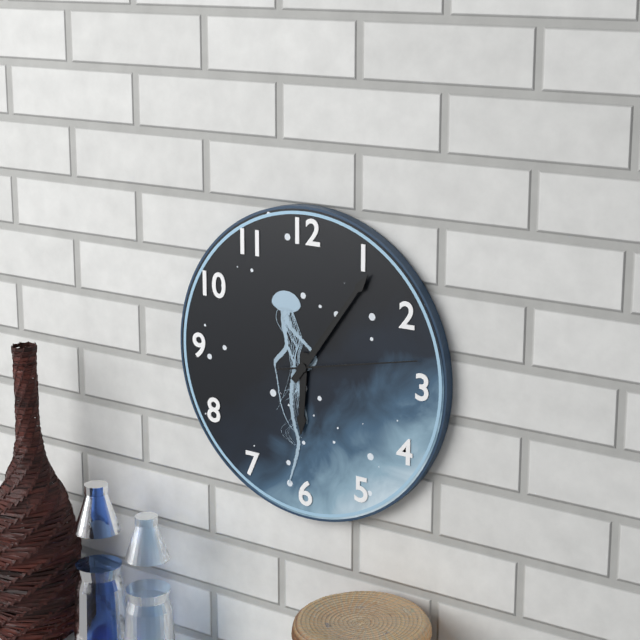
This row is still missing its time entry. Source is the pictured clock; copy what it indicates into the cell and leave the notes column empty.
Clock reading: 6:06:13
